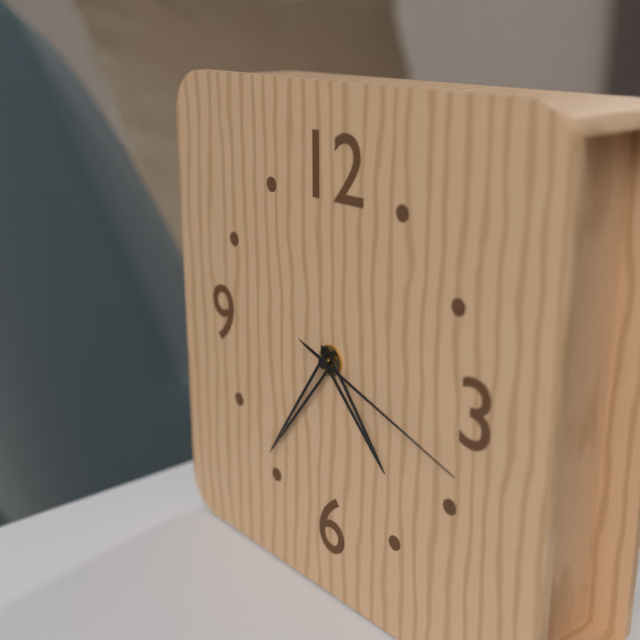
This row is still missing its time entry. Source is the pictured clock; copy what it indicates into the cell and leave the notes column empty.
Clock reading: 4:36:18
